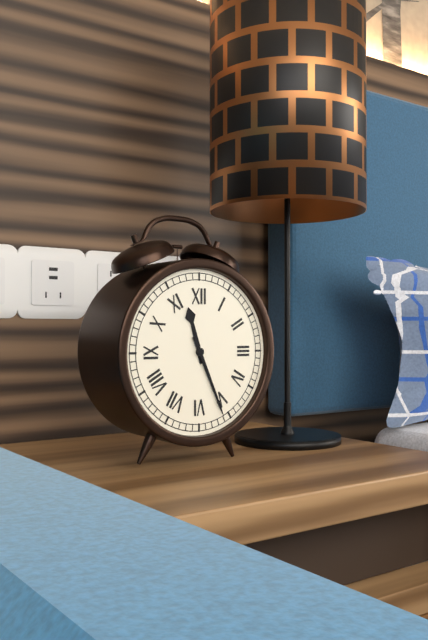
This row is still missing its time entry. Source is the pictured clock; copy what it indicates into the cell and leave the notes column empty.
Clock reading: 11:26
